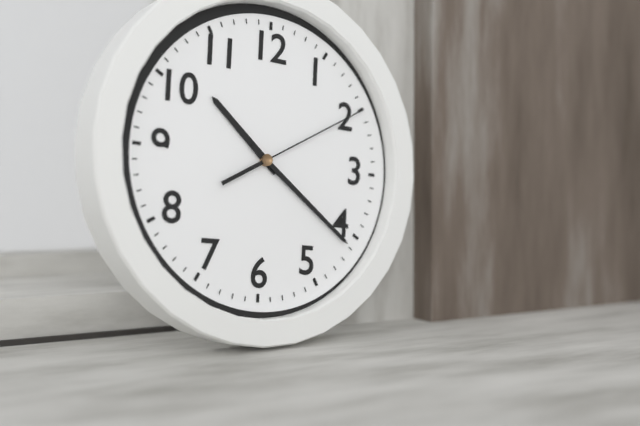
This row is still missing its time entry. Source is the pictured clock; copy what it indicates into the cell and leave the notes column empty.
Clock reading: 10:21:10
